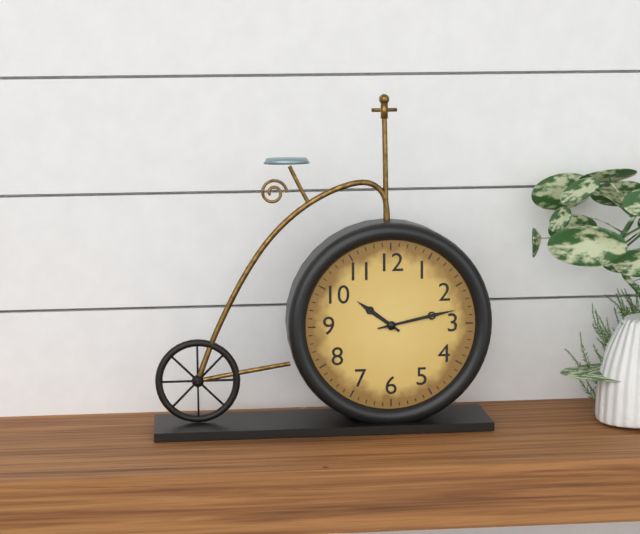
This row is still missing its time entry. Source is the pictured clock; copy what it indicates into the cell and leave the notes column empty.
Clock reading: 10:13
